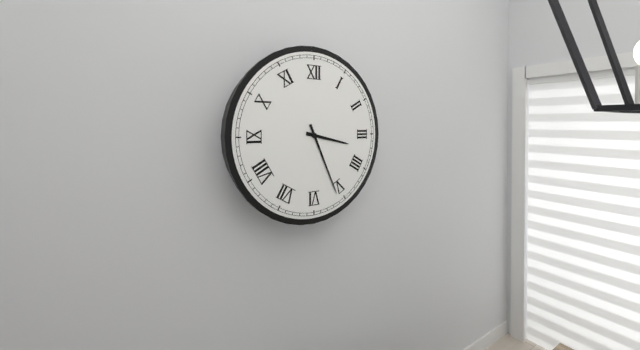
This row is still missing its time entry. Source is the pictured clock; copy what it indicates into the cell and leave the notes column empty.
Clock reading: 3:26
